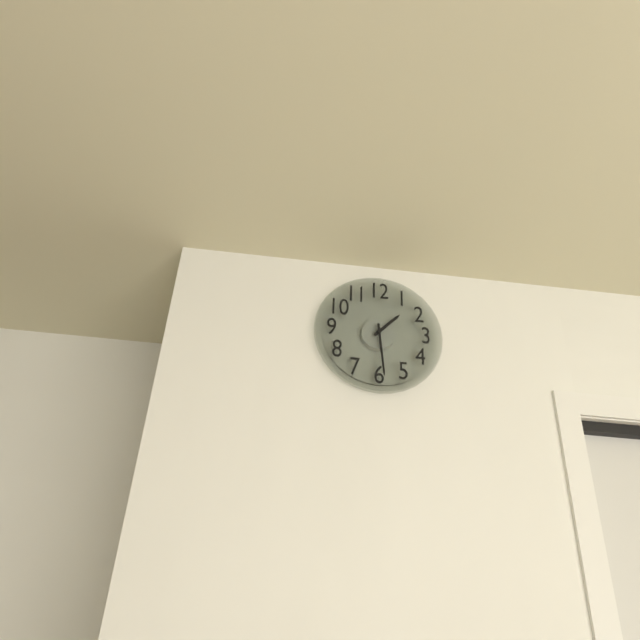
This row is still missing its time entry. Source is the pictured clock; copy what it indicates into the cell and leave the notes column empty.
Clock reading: 1:29
